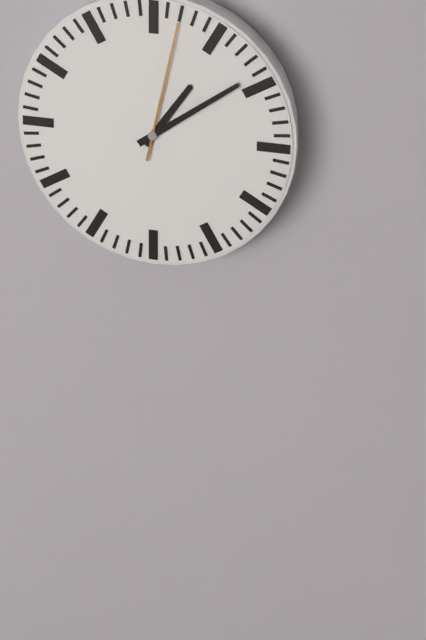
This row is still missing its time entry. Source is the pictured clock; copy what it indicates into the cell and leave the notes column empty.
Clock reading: 1:09:02
